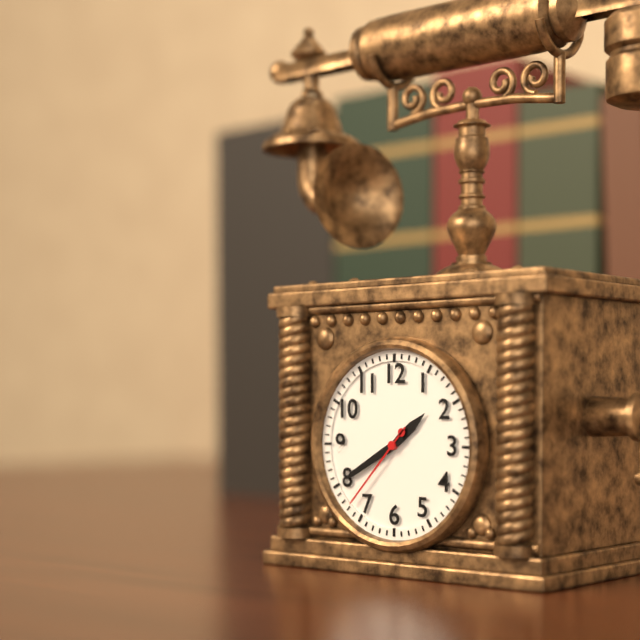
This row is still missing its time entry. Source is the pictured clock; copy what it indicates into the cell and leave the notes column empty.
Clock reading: 1:40:37
